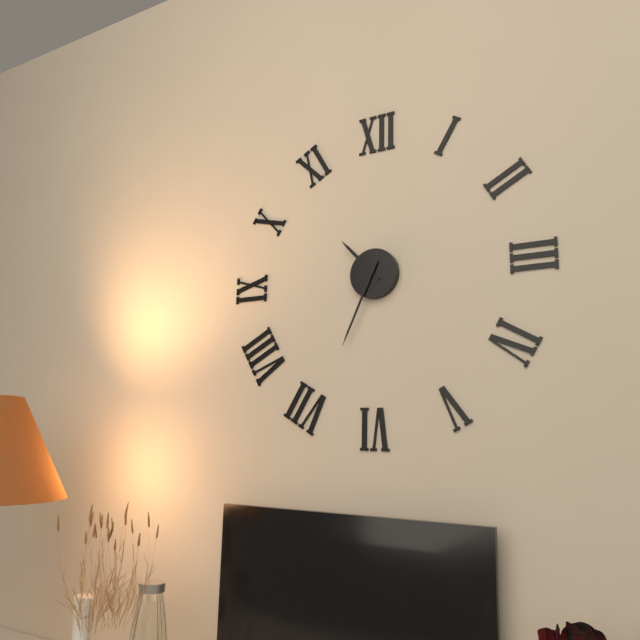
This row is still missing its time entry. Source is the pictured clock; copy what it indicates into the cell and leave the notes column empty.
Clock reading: 10:34
